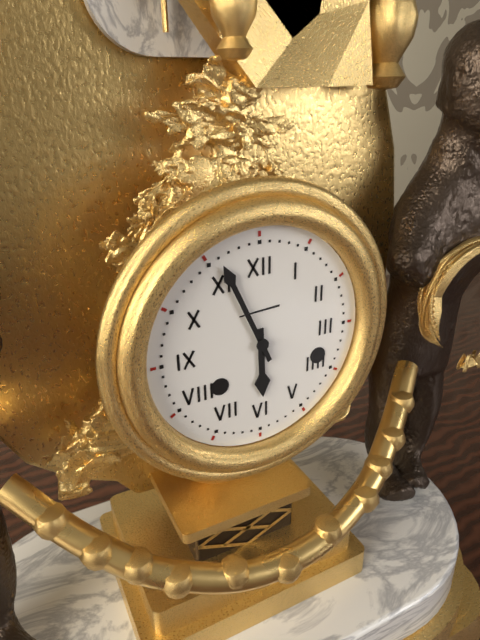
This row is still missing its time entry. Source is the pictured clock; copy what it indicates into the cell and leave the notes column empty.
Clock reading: 5:56
